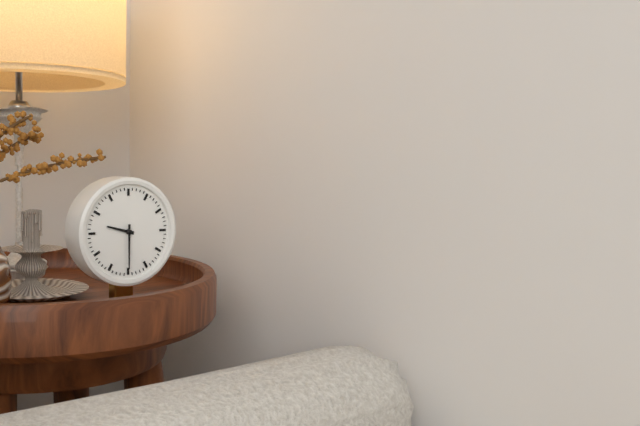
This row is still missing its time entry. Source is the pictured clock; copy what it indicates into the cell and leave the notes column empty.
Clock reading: 9:30
